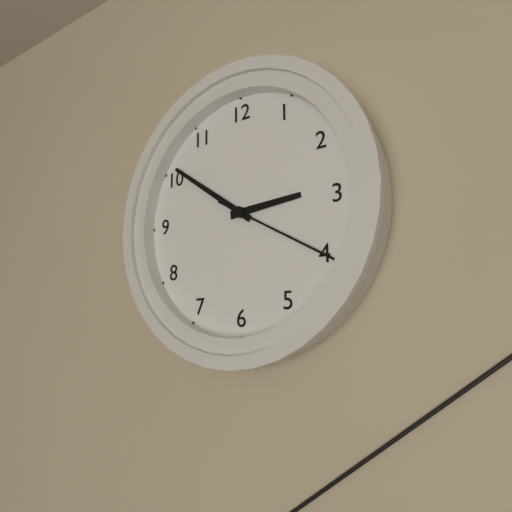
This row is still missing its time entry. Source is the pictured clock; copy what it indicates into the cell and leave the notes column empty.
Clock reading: 2:51:20
